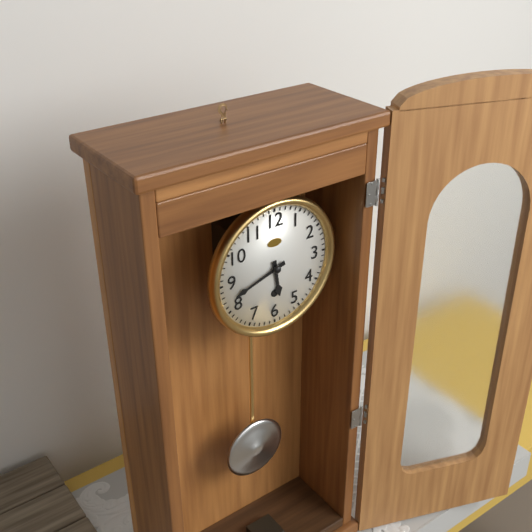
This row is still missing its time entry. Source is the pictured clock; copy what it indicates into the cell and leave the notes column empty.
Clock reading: 5:42
